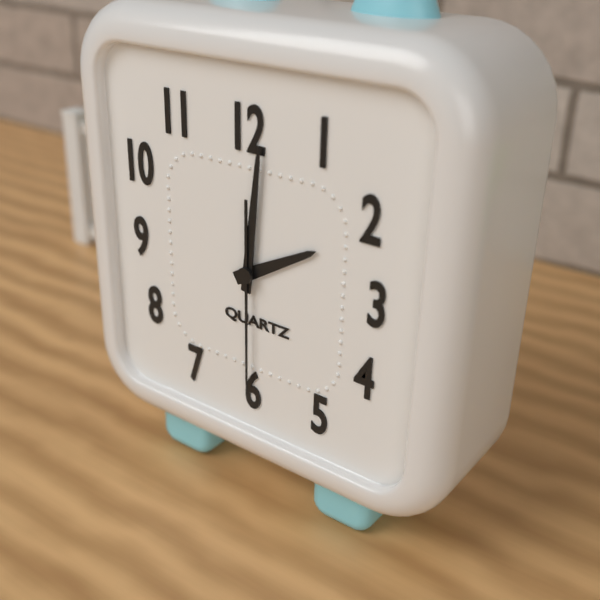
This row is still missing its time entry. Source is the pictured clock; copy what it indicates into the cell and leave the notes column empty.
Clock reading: 2:01:30
